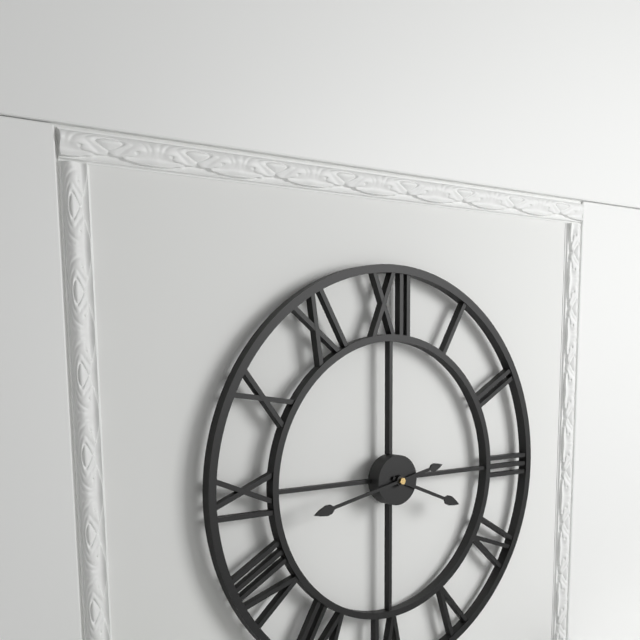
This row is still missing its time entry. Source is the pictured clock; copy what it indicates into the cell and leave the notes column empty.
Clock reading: 3:43
